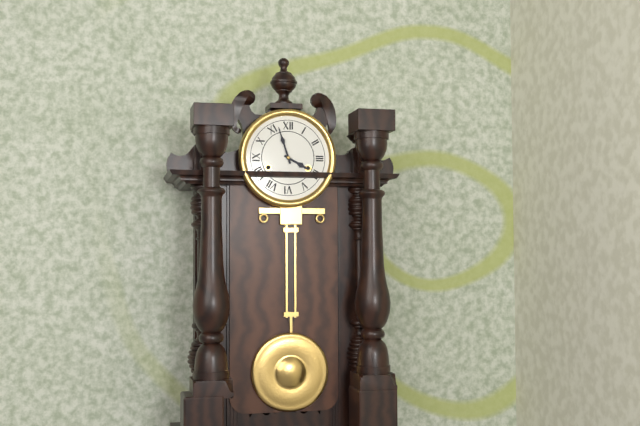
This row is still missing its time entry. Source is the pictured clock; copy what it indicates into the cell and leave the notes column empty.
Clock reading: 3:57
